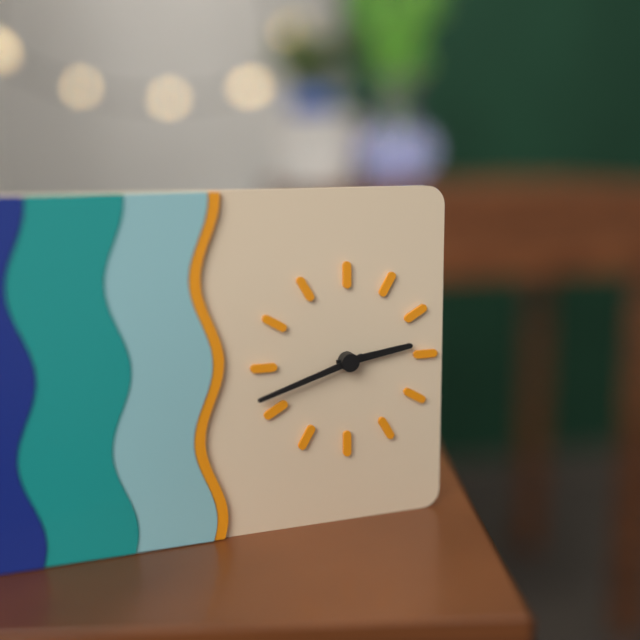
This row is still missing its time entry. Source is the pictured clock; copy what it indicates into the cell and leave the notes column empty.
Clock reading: 2:42
